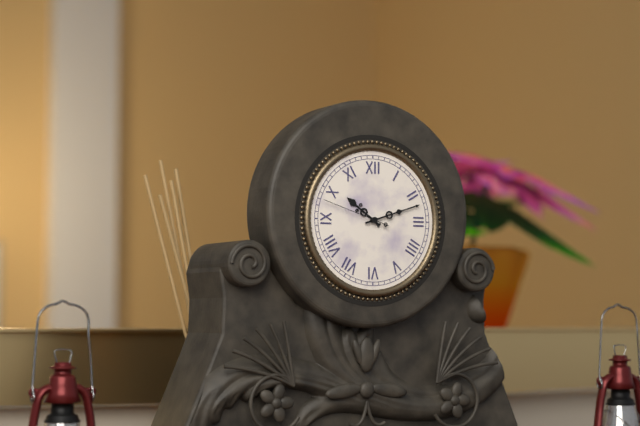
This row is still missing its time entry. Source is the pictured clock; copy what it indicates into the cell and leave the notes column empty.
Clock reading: 10:12:48
